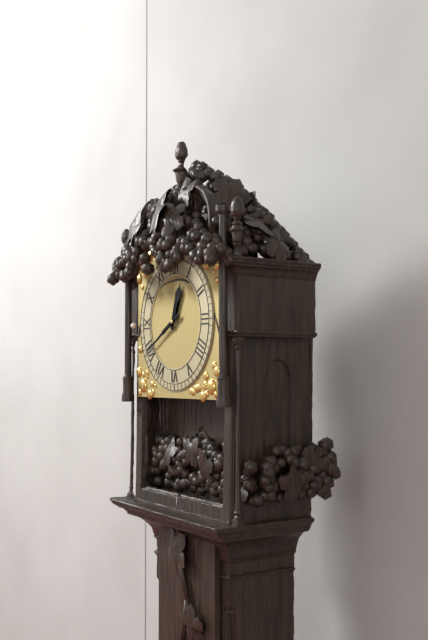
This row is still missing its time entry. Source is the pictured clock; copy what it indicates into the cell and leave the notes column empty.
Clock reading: 12:40
